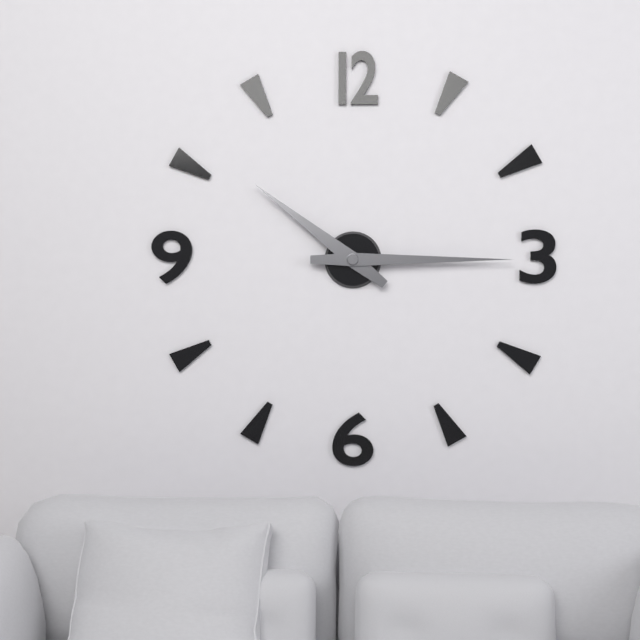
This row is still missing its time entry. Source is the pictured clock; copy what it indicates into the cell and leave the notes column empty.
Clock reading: 10:15
